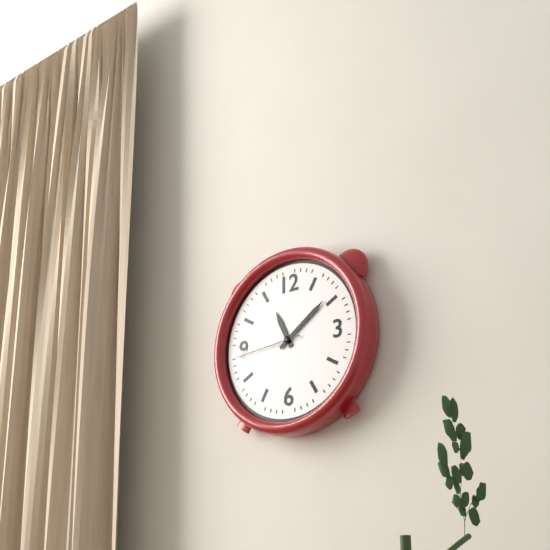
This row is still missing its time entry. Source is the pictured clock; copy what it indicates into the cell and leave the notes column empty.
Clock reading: 11:09:44
